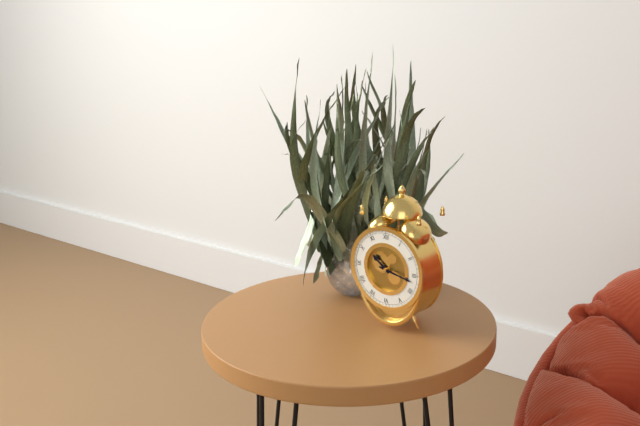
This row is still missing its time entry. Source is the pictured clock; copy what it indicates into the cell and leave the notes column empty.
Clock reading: 10:17
